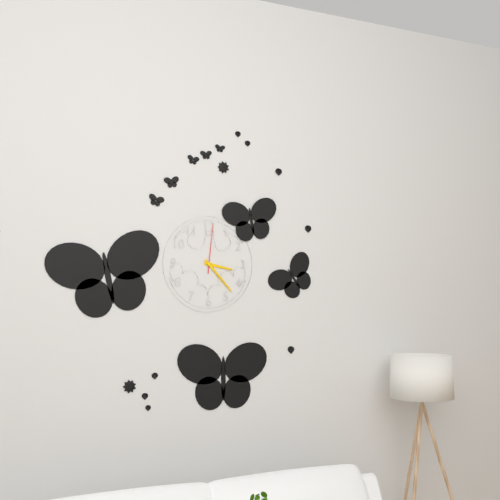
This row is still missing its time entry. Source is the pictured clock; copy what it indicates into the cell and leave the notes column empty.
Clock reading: 3:23:01
